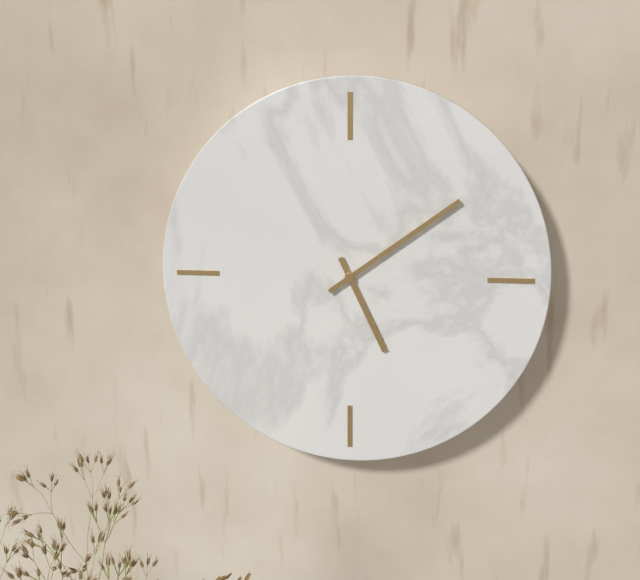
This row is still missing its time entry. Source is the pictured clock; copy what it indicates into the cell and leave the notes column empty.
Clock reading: 5:09
